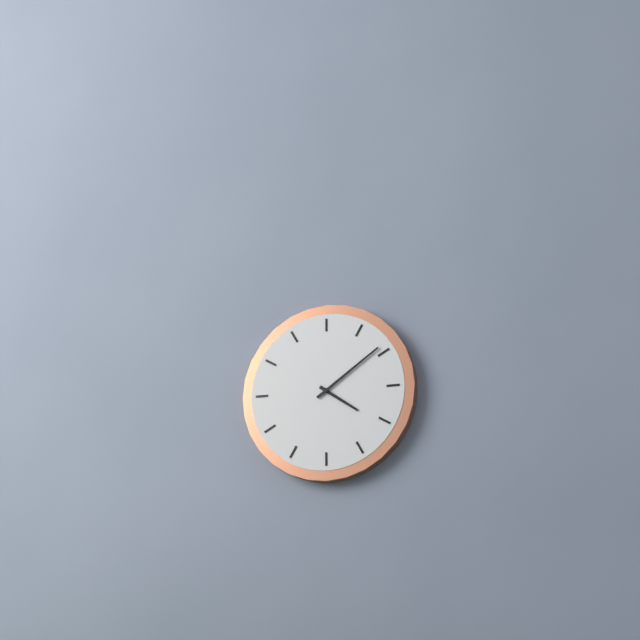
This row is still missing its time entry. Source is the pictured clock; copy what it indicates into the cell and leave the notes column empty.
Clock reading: 4:09
